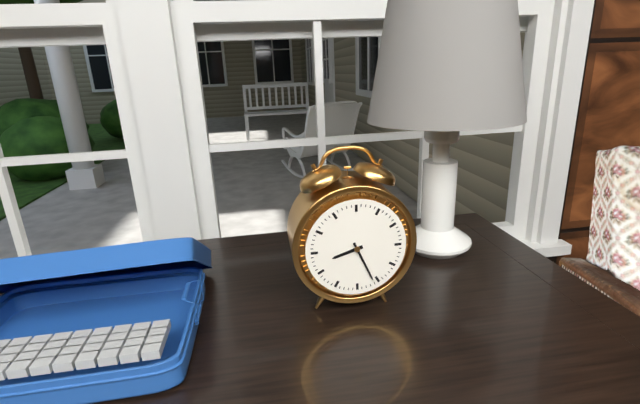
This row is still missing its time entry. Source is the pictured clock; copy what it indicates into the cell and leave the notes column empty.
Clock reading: 8:26
